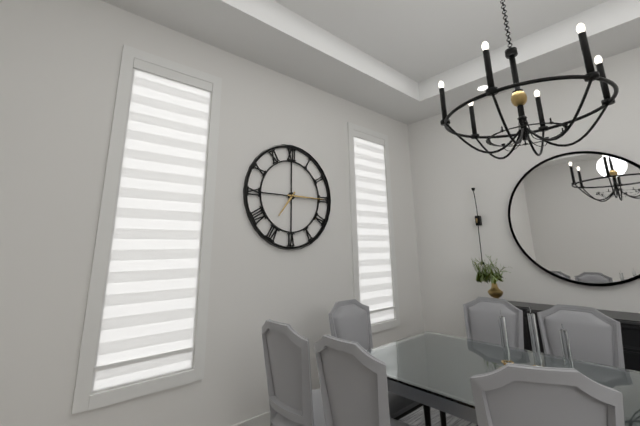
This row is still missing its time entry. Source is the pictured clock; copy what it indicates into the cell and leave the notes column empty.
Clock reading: 7:15
